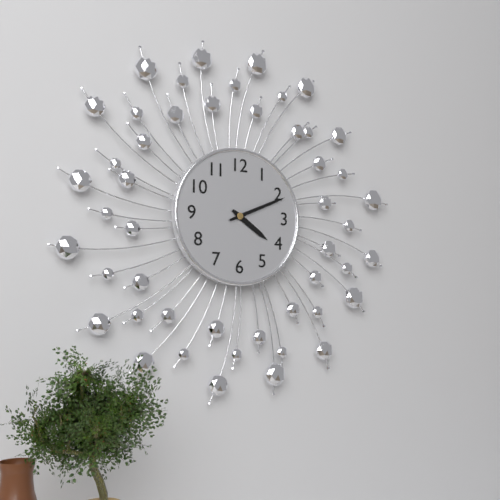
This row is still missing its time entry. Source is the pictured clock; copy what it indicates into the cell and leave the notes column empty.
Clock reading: 4:11
